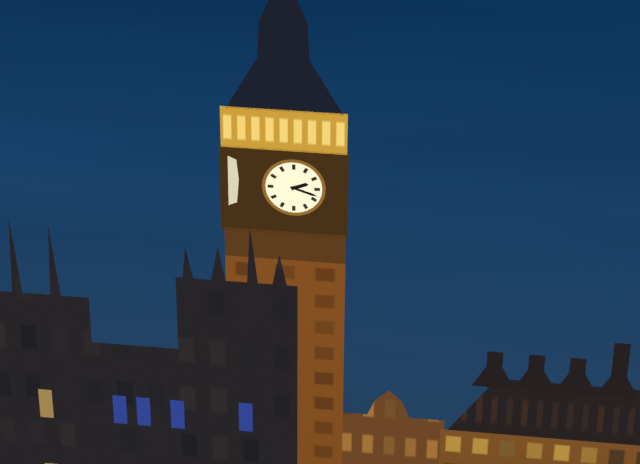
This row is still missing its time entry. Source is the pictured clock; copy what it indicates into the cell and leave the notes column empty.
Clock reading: 2:18
